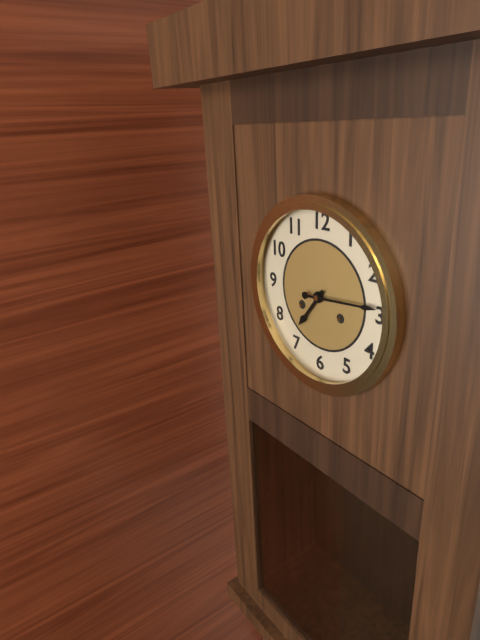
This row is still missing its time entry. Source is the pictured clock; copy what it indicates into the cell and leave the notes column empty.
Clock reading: 7:14
